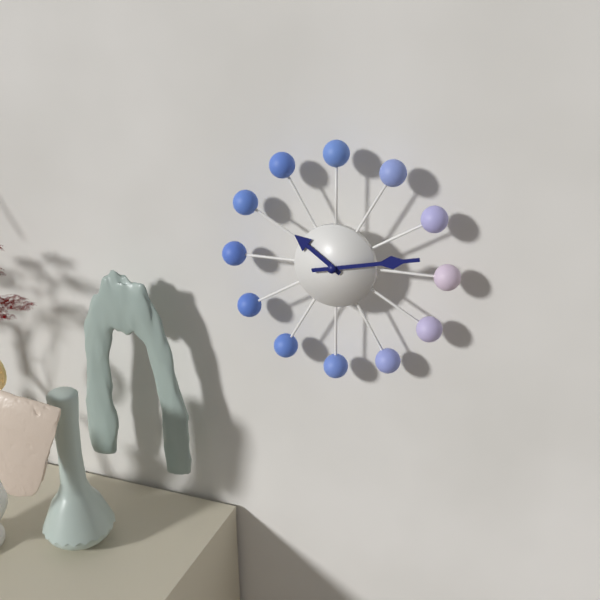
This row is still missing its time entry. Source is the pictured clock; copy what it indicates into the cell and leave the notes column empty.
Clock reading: 10:13
